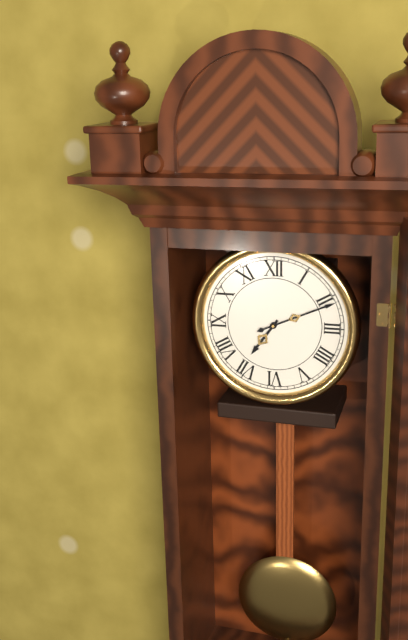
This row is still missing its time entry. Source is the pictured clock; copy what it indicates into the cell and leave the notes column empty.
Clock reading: 7:11
